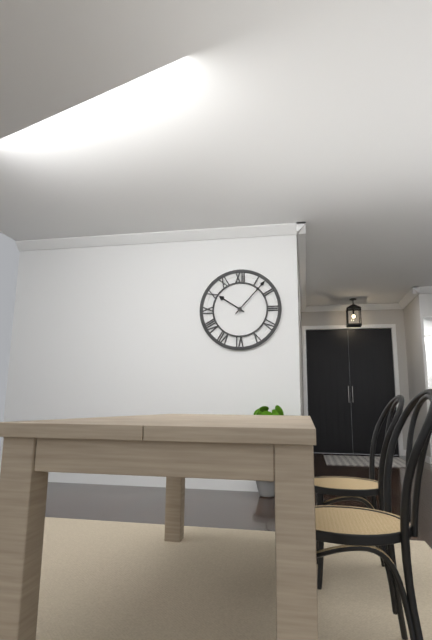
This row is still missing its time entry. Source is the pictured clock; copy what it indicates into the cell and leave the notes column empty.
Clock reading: 10:07
